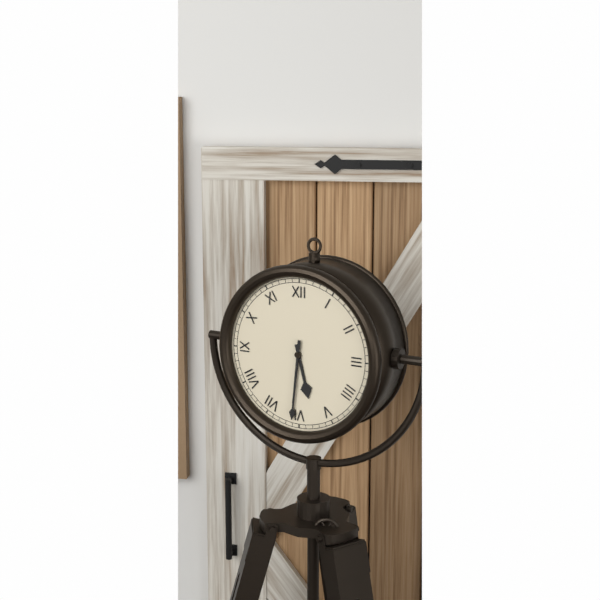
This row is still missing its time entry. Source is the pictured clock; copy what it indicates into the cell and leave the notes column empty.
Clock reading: 5:31
